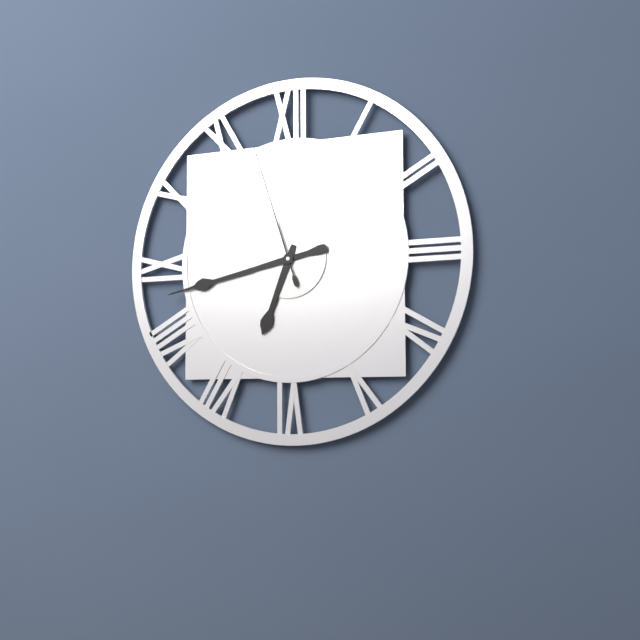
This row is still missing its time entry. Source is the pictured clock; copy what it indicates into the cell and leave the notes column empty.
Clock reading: 6:43:57
